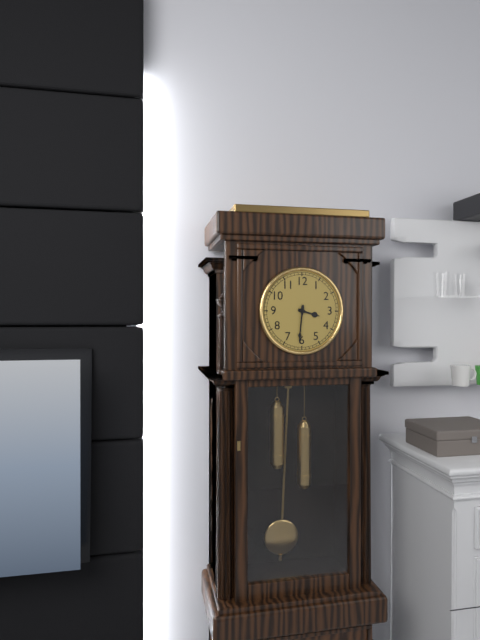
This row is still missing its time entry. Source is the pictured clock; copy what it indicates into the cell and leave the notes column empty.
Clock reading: 3:31
